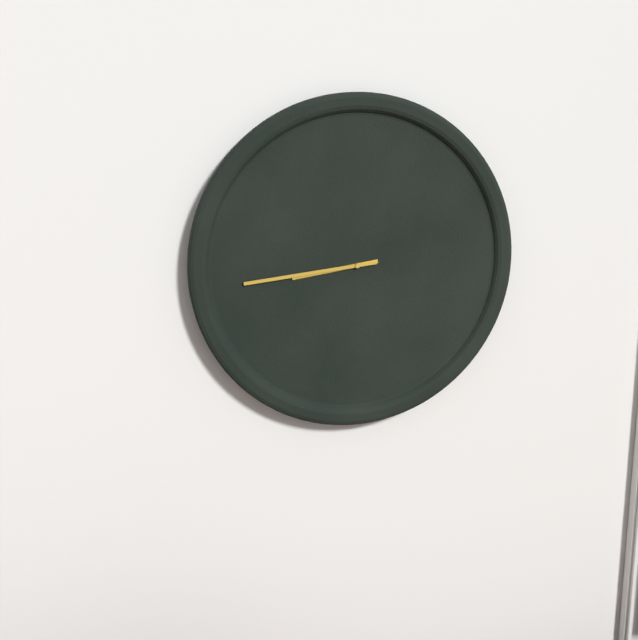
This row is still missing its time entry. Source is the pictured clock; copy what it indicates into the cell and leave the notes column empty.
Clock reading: 8:44
